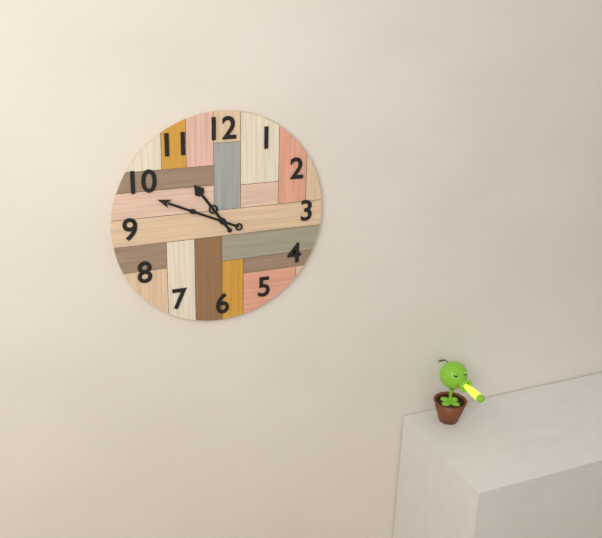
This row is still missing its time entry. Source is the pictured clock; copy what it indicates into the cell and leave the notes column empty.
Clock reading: 10:49
